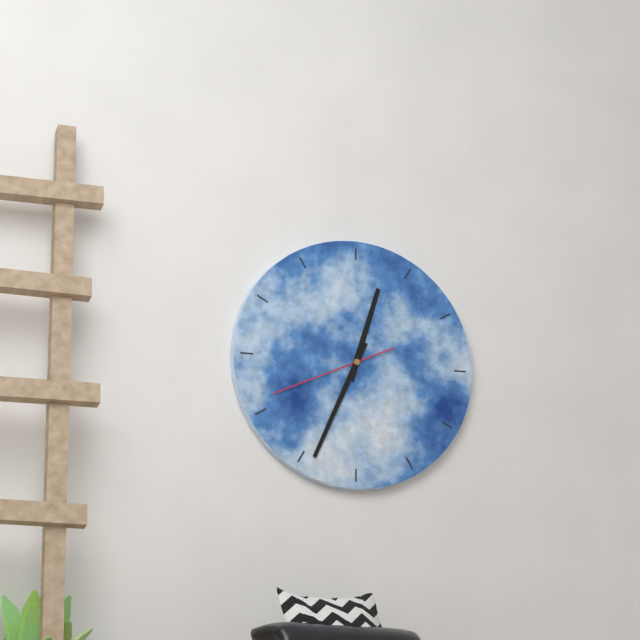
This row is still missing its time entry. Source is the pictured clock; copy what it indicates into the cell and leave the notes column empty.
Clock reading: 12:34:41
